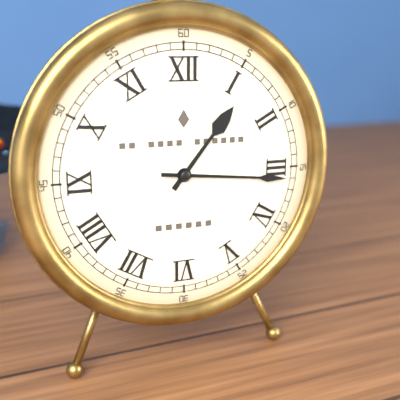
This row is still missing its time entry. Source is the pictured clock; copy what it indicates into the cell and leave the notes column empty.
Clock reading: 1:16
